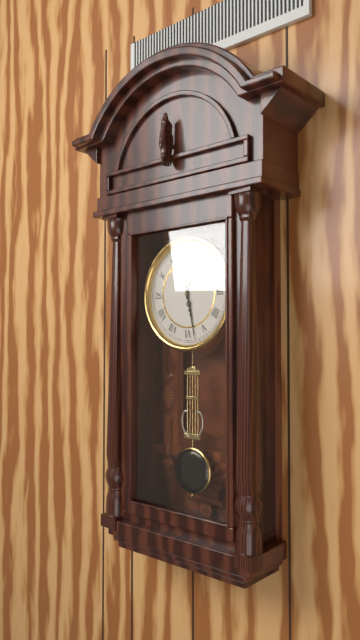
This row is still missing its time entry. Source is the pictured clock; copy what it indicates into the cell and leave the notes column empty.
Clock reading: 12:28
